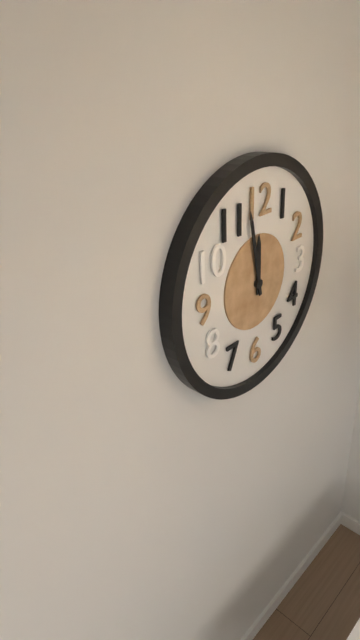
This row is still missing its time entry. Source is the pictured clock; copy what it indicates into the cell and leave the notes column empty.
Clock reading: 11:58
